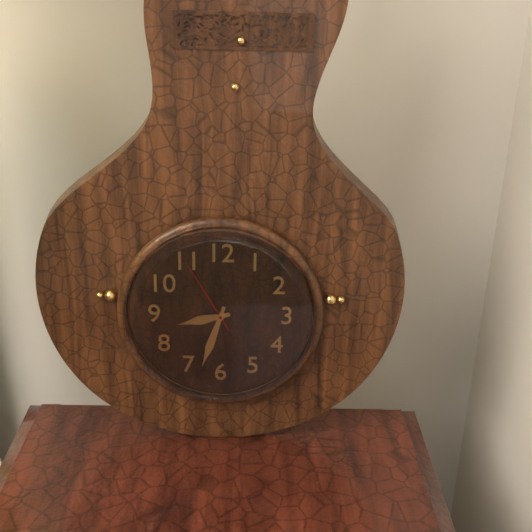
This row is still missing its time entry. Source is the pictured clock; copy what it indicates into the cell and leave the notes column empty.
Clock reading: 8:33:55
